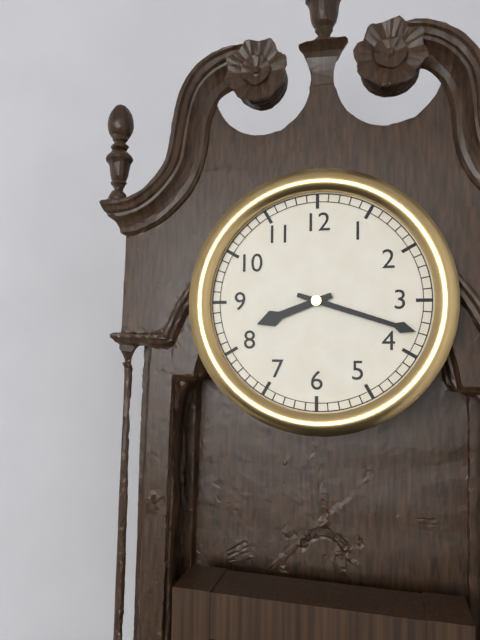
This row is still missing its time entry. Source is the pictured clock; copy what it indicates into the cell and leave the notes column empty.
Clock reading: 8:18
